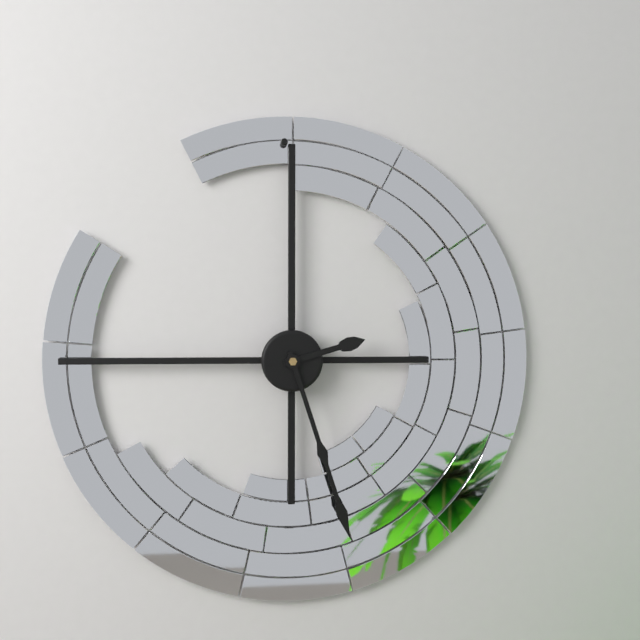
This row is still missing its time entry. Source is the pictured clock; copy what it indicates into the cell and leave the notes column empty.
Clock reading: 2:27
